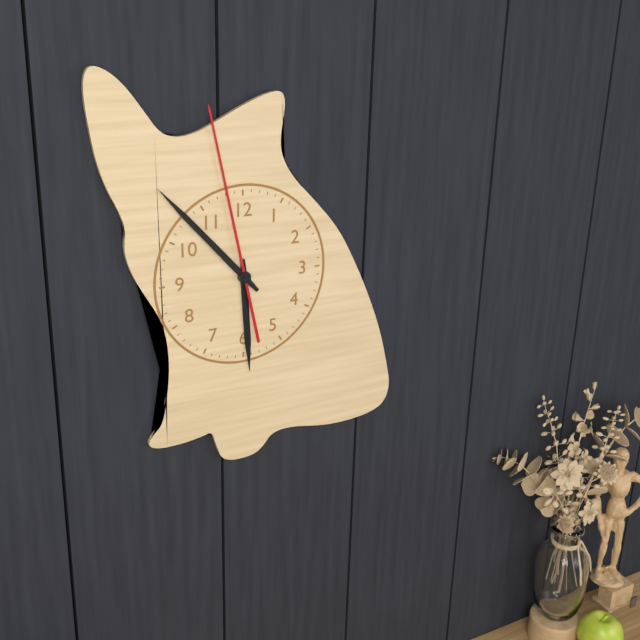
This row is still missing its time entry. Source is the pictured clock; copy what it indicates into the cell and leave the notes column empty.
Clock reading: 5:53:58
